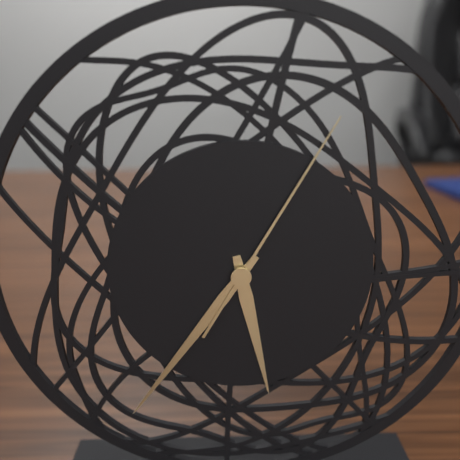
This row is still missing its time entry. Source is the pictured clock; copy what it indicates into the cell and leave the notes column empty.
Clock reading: 5:36:05
